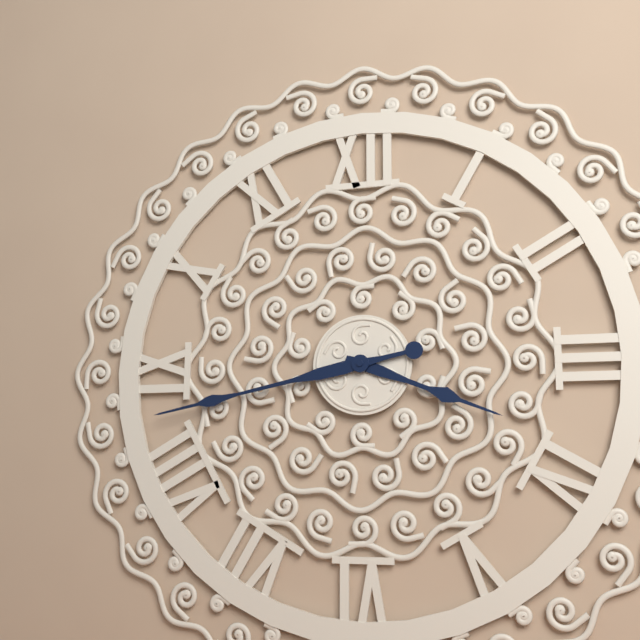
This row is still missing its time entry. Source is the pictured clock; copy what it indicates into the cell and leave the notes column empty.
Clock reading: 3:43
